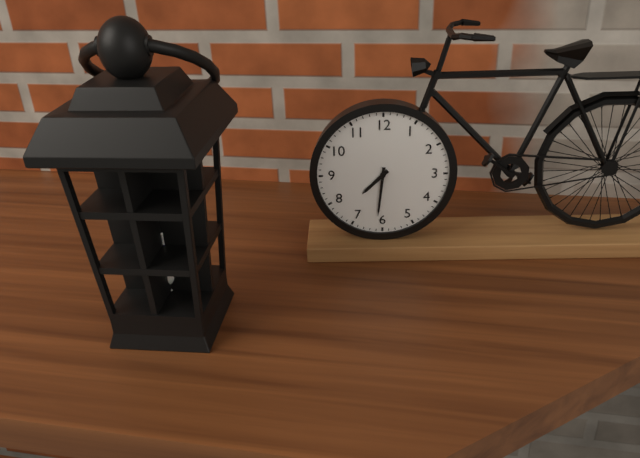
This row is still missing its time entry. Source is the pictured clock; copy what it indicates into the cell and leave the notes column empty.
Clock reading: 7:31
